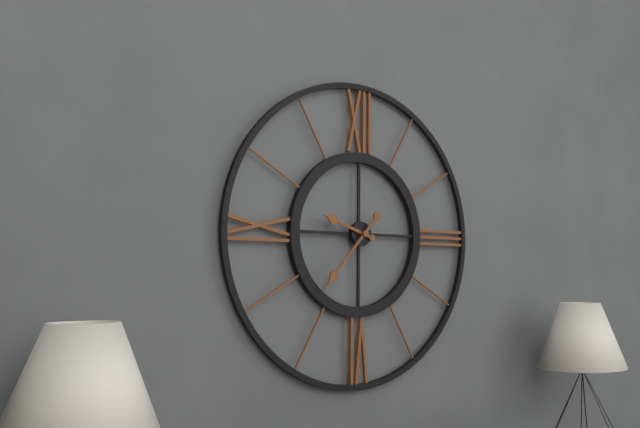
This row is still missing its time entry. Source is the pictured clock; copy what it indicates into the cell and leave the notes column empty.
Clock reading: 9:37
